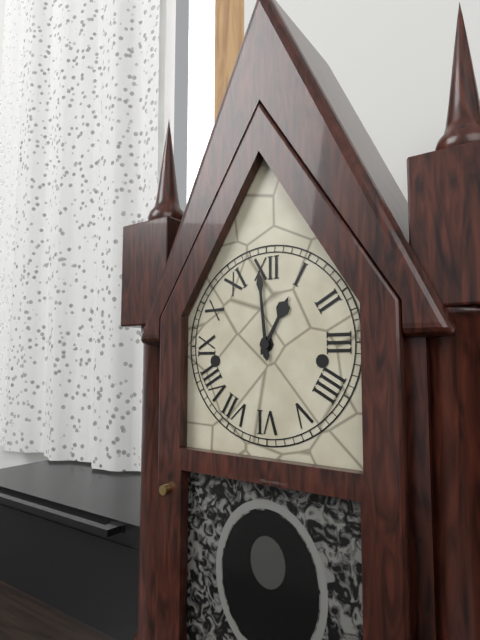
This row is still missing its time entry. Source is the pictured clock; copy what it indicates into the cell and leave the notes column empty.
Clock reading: 12:59
